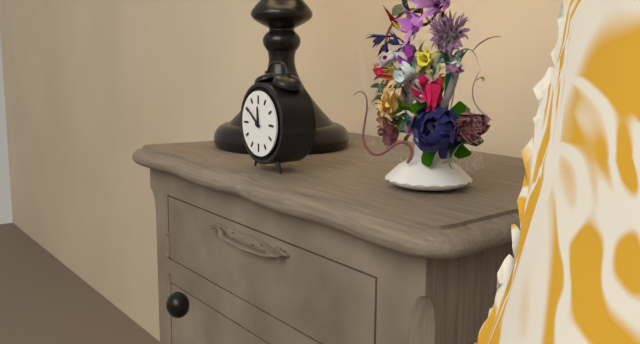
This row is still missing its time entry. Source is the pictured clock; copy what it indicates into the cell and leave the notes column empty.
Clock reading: 11:51
